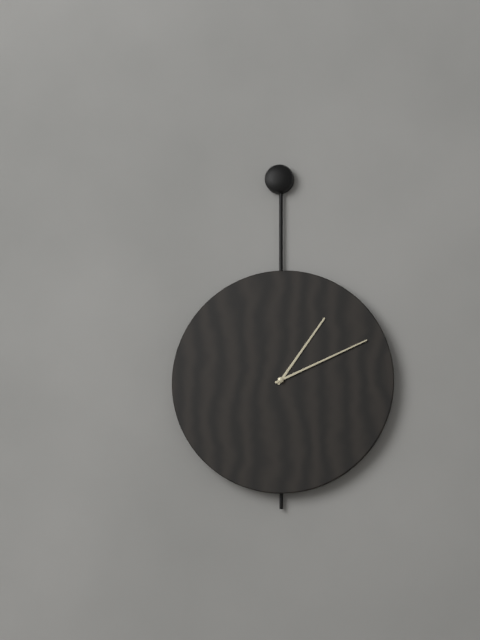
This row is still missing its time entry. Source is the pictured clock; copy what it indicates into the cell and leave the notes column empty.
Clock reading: 1:11
